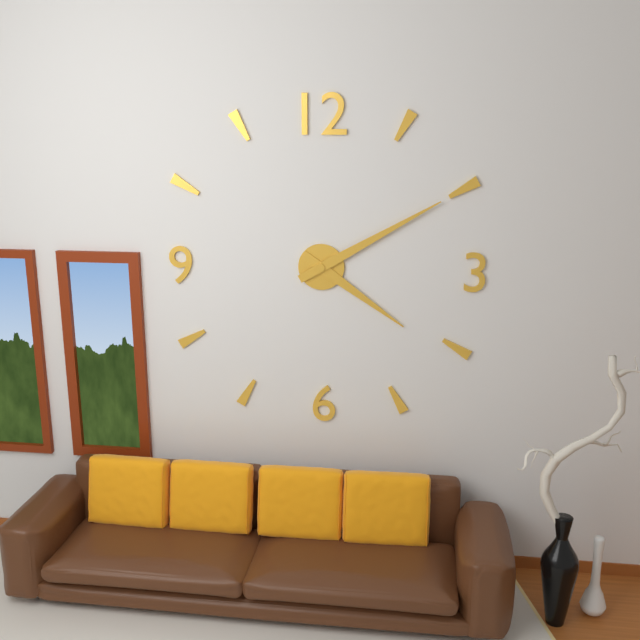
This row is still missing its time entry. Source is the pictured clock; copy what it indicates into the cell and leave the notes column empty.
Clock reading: 4:10
